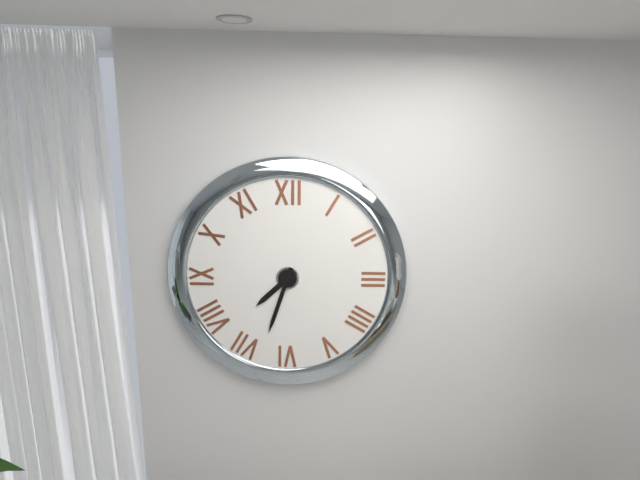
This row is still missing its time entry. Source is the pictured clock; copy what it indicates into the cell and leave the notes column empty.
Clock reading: 7:33
